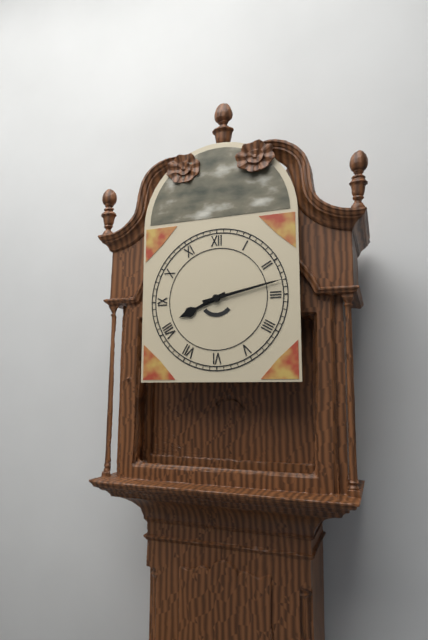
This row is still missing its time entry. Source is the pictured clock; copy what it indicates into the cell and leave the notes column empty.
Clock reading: 8:13
